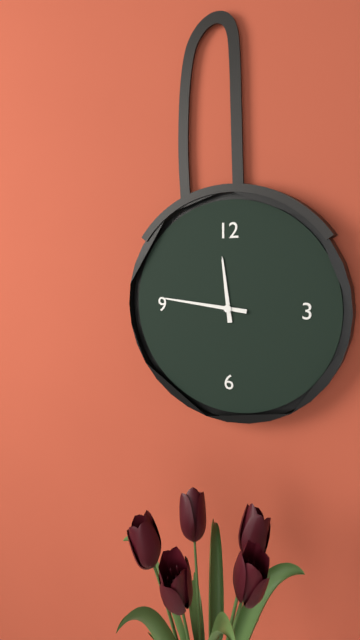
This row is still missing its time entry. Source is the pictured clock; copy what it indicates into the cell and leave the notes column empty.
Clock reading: 11:46
